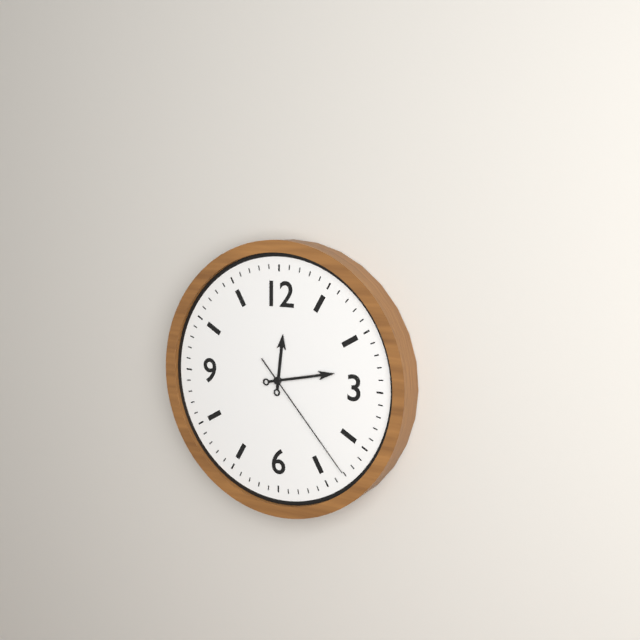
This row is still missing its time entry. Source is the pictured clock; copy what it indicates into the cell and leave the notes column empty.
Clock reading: 12:13:23
